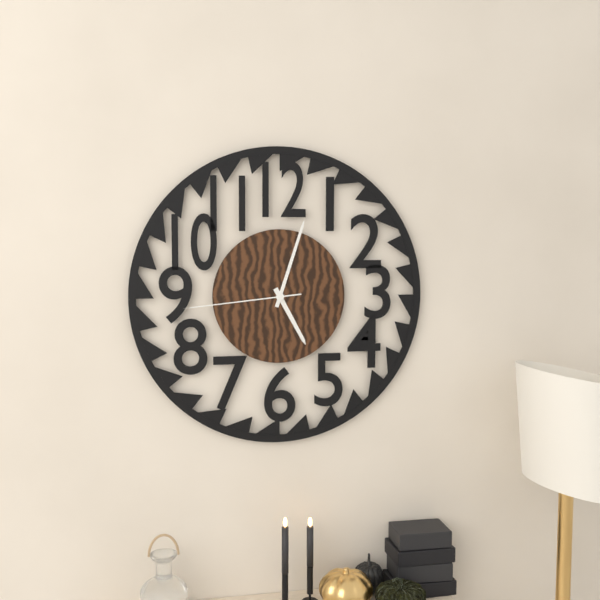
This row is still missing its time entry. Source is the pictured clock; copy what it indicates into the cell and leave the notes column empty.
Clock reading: 5:03:44
